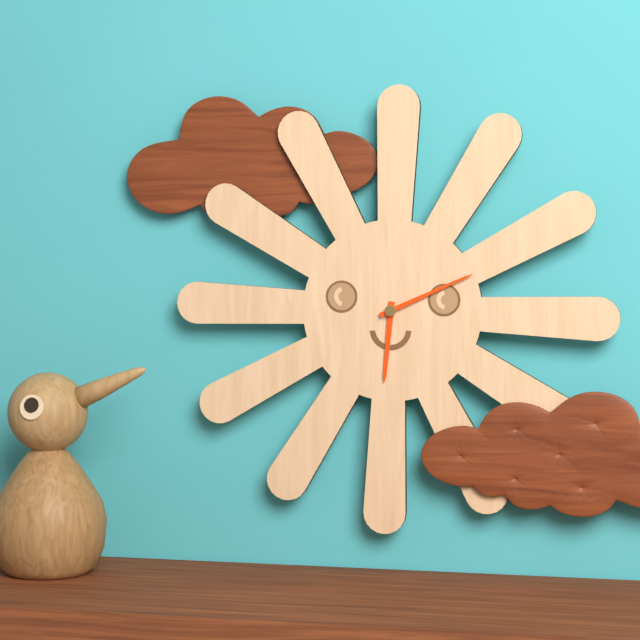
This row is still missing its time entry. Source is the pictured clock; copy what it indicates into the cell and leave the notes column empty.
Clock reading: 6:11
